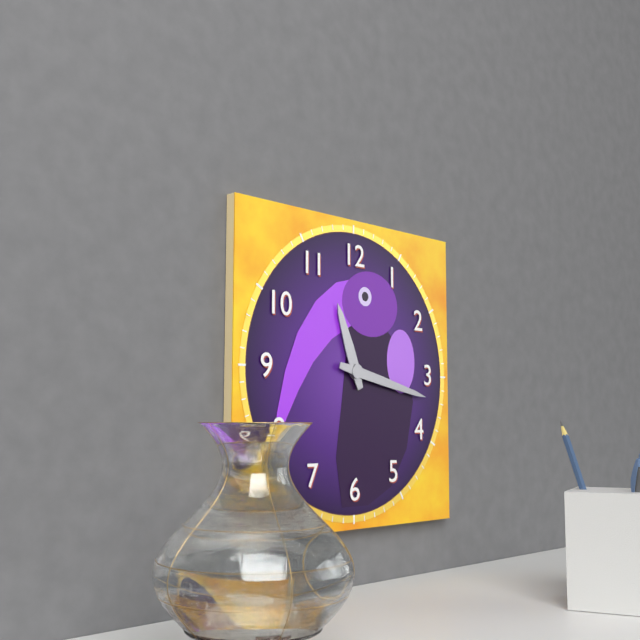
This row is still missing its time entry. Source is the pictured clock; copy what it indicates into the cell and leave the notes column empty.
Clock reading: 11:17
